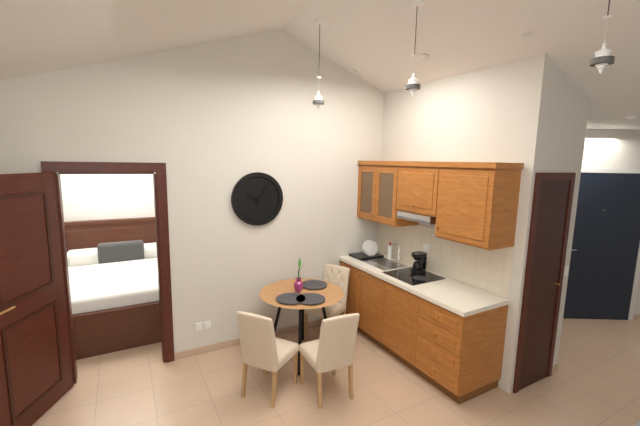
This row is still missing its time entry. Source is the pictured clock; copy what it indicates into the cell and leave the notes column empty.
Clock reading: 10:06
